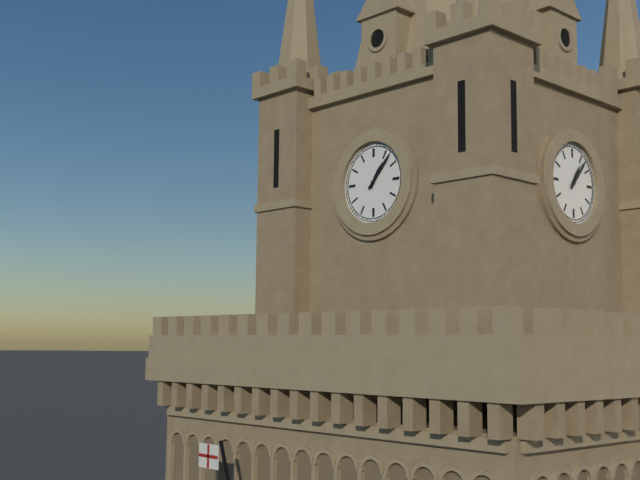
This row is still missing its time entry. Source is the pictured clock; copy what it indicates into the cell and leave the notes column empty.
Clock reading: 1:07
